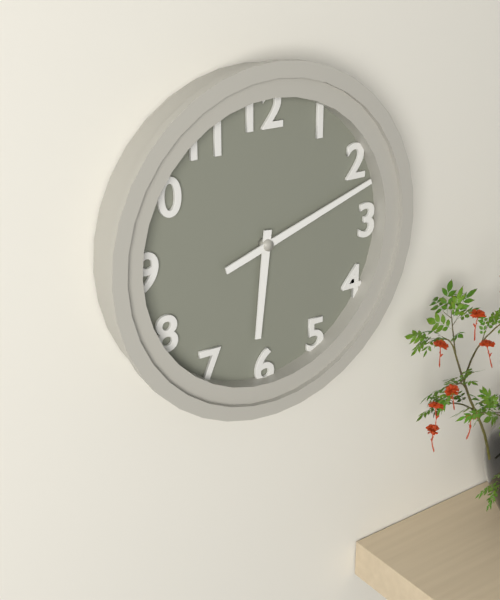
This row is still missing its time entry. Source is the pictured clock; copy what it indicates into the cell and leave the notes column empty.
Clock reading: 6:12
